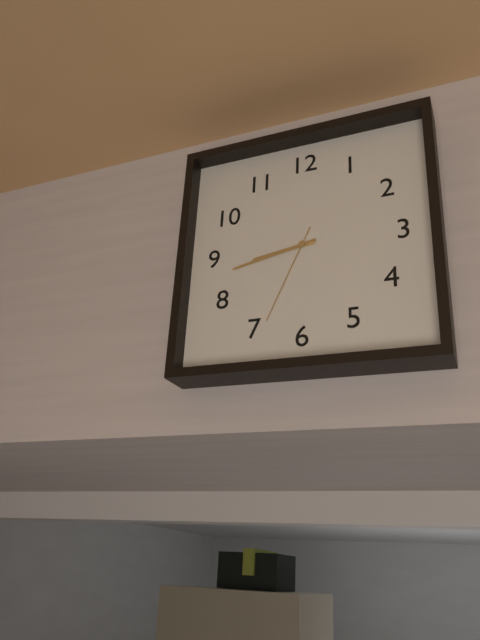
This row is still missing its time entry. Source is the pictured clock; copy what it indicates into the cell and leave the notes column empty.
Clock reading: 8:43:34
